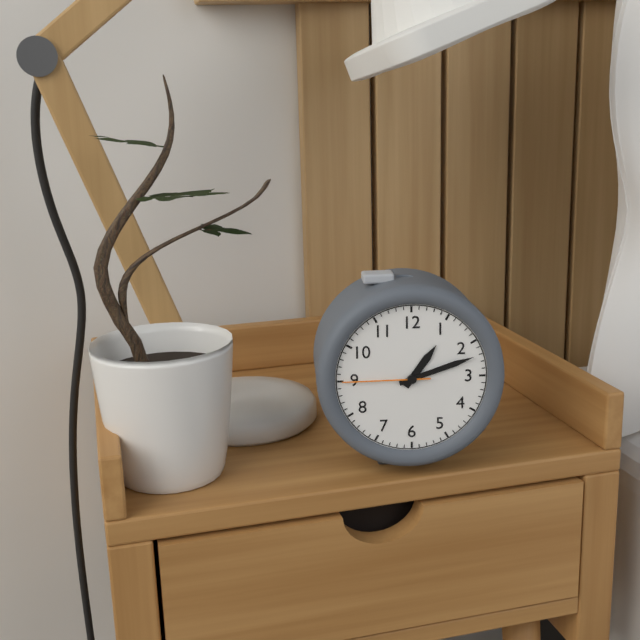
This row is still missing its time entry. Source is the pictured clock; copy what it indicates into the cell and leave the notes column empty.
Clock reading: 1:12:45
